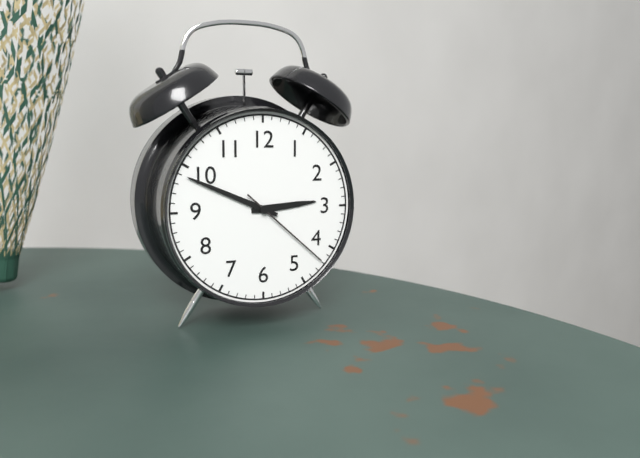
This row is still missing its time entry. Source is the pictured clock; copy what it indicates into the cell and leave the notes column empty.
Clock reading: 2:49:22
